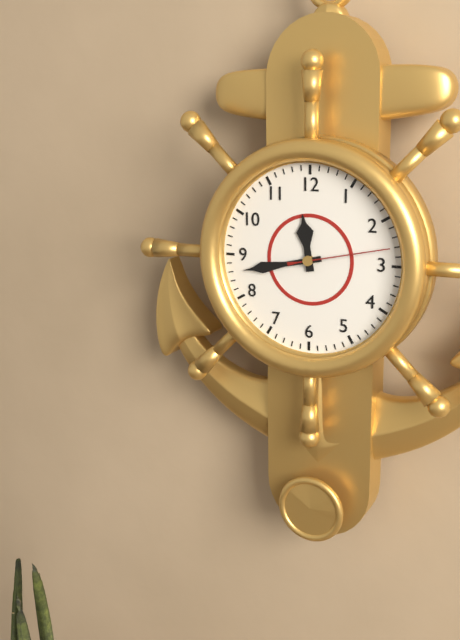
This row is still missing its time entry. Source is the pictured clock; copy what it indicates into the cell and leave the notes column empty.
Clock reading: 11:43:13
